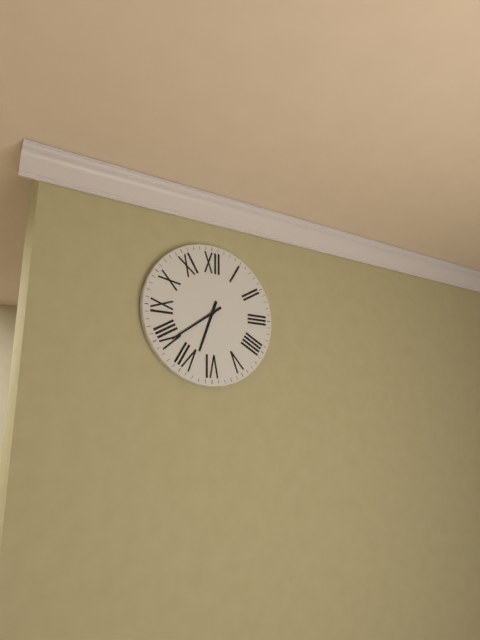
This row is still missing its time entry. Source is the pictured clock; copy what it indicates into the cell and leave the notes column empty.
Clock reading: 6:39
